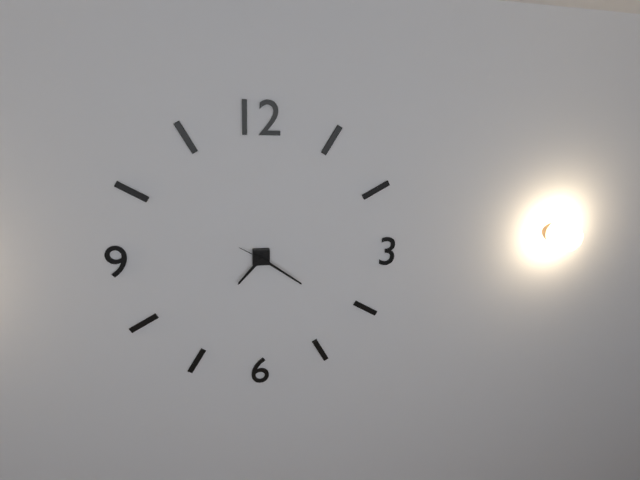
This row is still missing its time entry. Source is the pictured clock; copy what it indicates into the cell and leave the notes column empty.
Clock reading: 7:21
